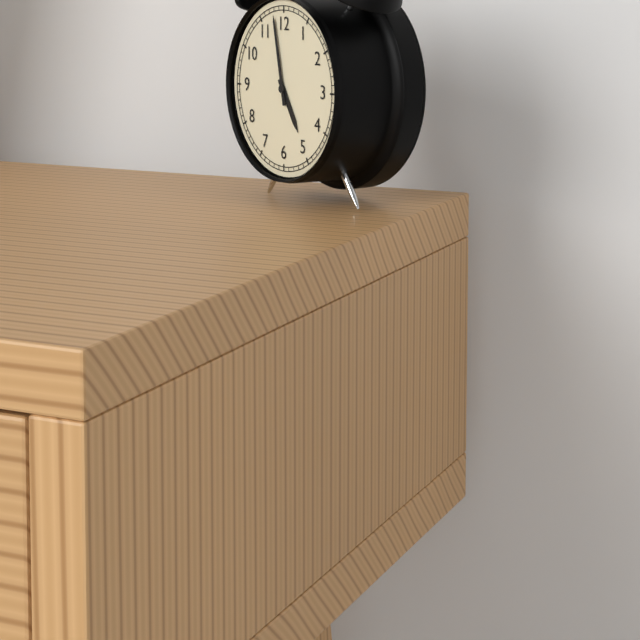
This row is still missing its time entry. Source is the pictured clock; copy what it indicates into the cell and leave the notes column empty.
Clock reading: 4:58
